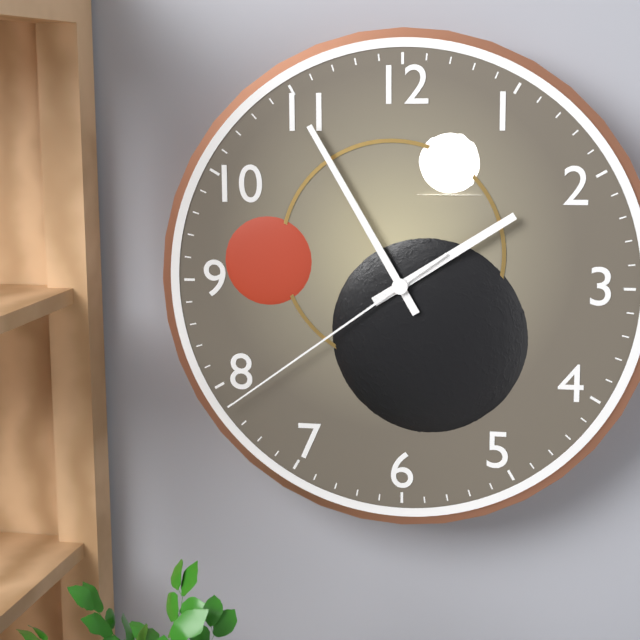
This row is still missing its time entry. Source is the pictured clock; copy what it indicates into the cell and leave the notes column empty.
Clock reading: 1:55:39
